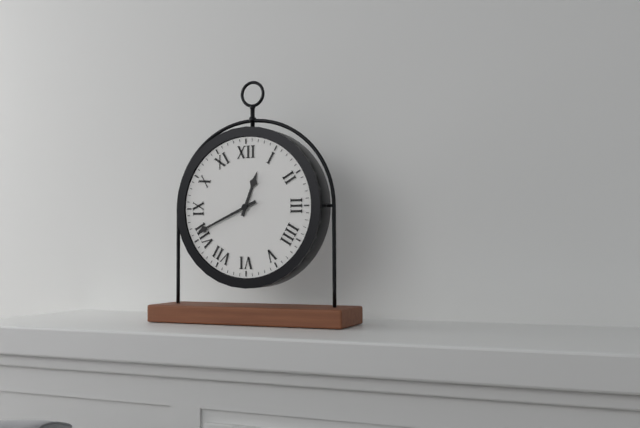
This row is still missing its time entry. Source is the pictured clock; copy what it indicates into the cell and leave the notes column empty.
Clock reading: 12:41
